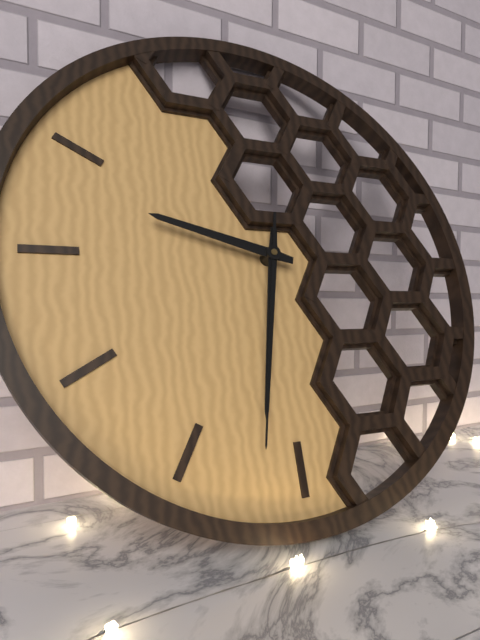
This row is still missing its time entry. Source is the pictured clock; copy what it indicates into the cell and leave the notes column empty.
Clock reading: 9:32:32
